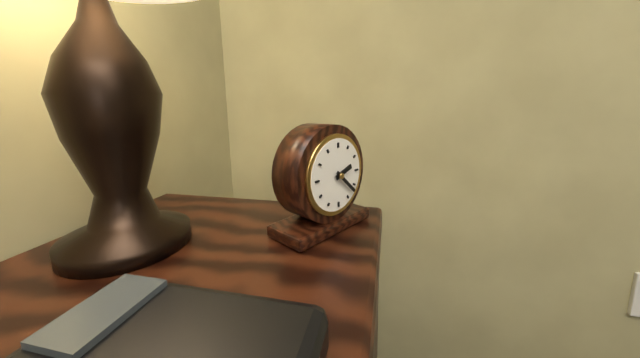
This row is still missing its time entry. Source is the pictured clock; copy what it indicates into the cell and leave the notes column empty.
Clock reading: 2:22
